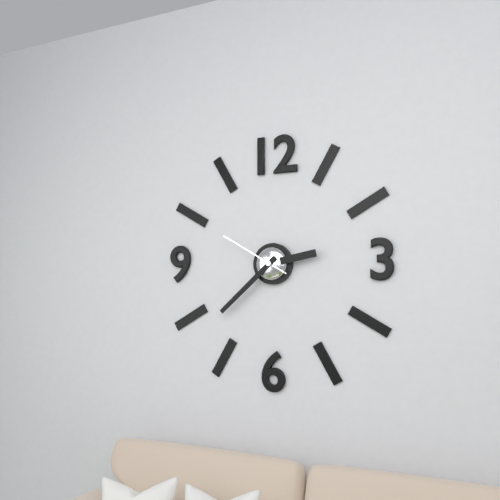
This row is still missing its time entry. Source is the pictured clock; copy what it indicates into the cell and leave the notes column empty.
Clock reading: 2:38:50
